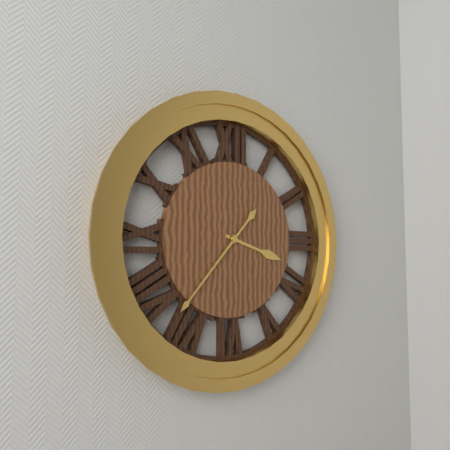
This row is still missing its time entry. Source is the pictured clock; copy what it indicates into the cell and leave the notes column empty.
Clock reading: 3:37
